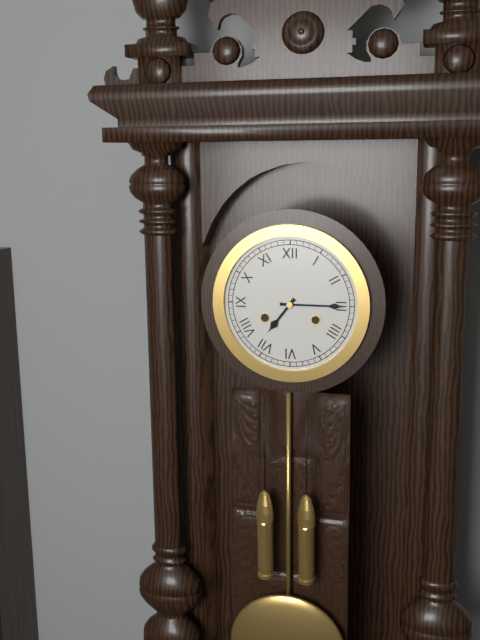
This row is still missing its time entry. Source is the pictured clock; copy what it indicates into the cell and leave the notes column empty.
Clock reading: 7:15
